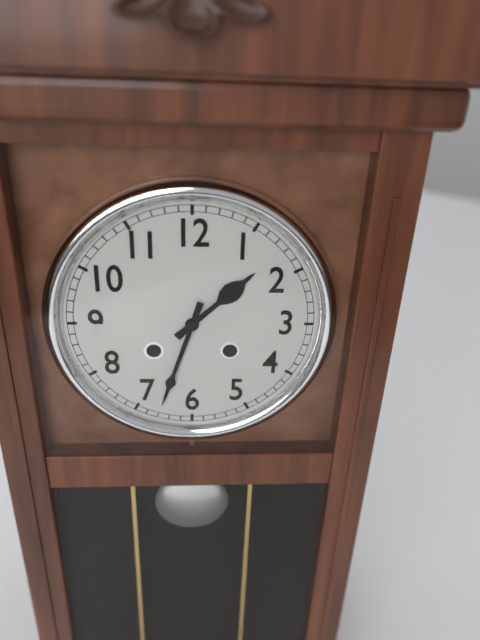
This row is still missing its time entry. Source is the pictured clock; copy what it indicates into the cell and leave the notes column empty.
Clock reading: 1:33
